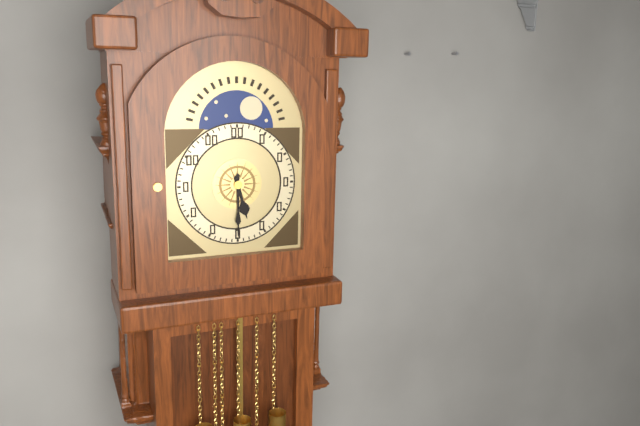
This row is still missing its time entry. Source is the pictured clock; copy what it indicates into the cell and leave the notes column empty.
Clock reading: 5:30
